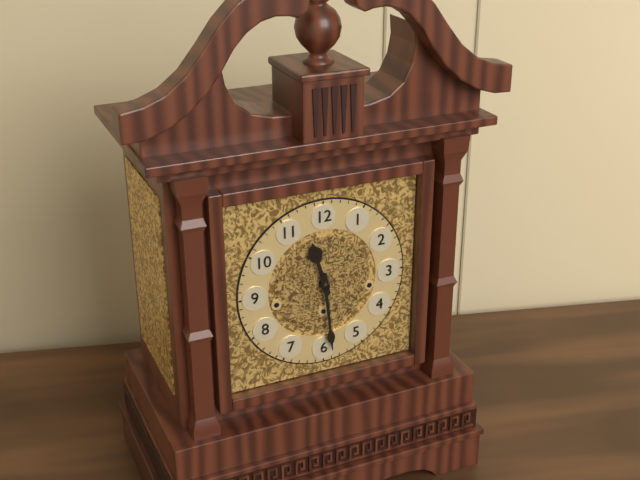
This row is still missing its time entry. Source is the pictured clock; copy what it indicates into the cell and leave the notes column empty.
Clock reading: 11:29
